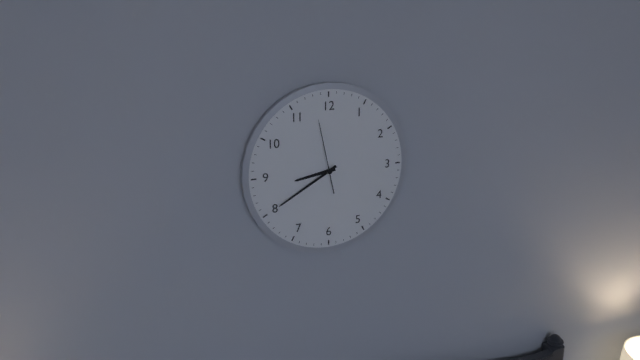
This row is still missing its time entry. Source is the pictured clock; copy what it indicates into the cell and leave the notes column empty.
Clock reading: 8:40:58
